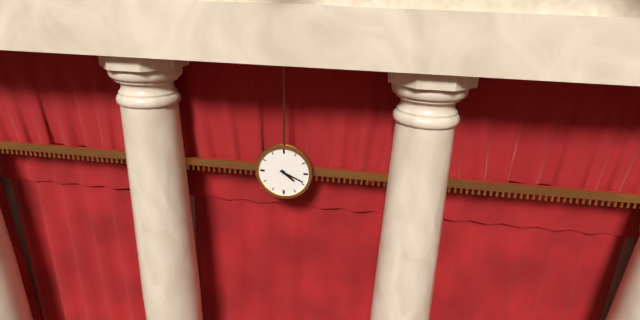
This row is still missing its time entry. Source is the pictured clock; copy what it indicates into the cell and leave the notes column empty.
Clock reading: 4:19
